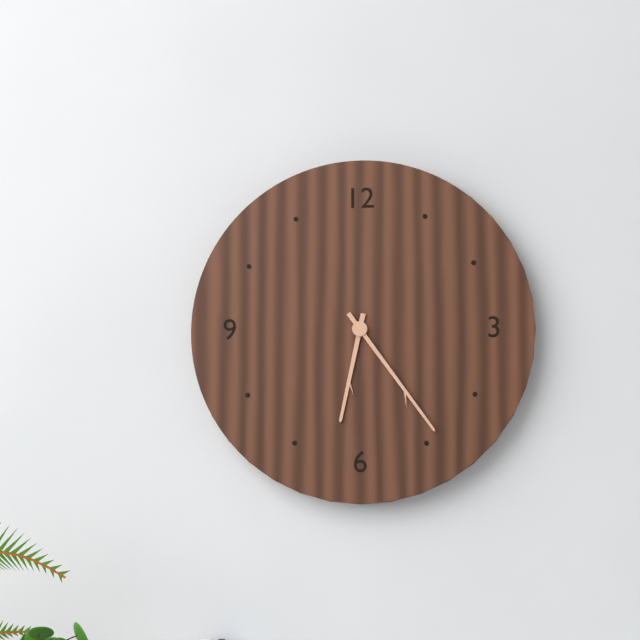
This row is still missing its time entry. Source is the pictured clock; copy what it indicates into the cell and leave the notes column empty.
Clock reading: 6:24
